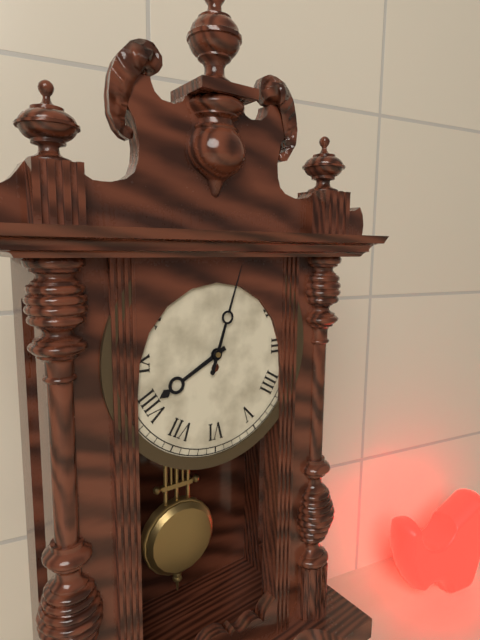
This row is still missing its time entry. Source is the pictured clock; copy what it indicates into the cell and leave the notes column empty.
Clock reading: 8:03
